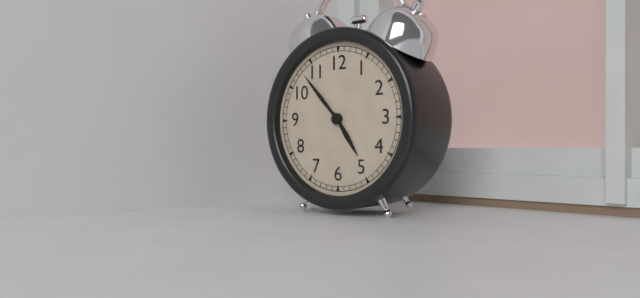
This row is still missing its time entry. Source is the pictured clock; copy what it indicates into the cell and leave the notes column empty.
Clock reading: 4:53
